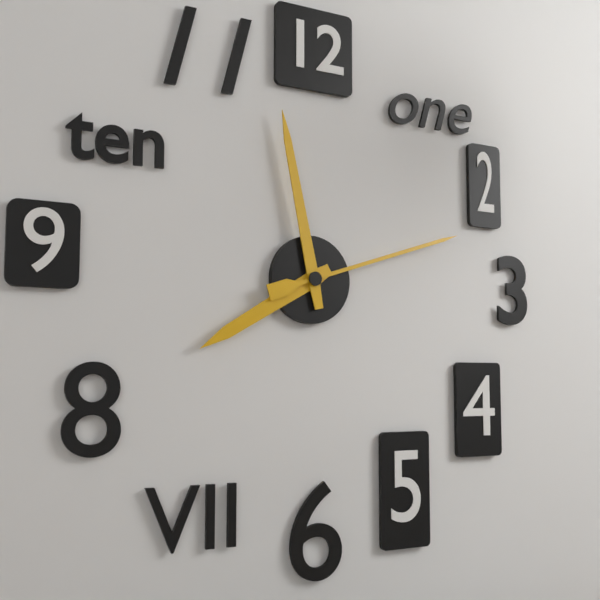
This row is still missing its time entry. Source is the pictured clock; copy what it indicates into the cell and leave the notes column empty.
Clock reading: 7:58:12
